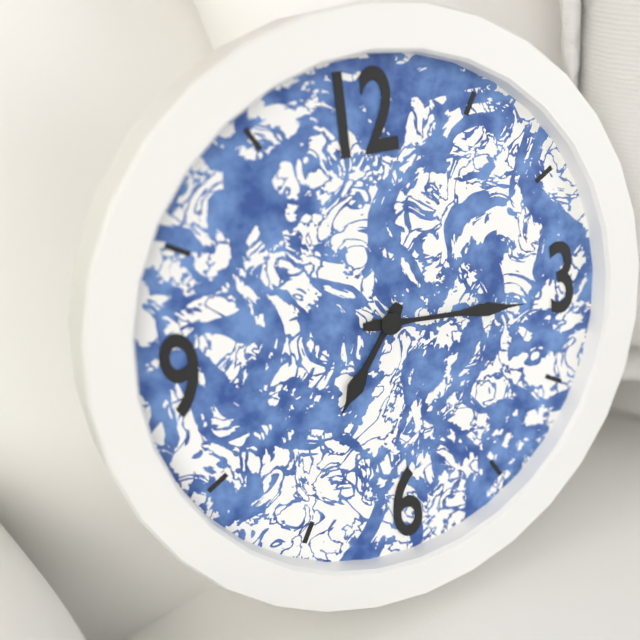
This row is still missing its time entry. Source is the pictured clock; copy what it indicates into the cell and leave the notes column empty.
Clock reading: 7:16
